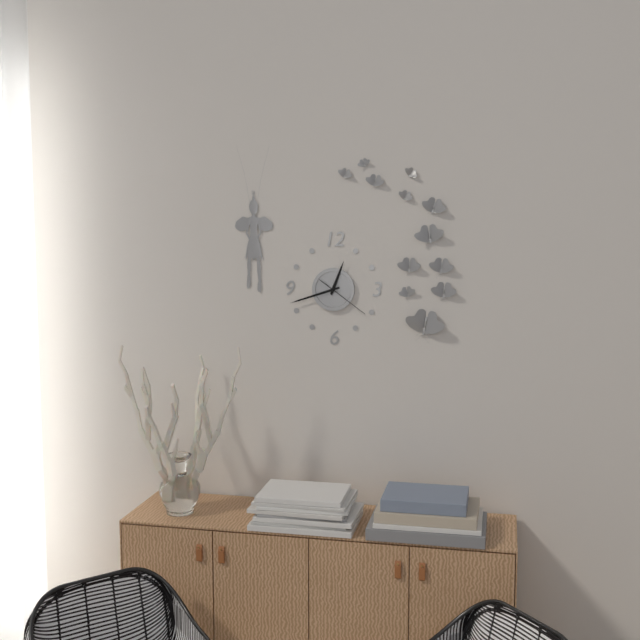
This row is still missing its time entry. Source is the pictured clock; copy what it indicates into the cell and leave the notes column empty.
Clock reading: 12:42:21
